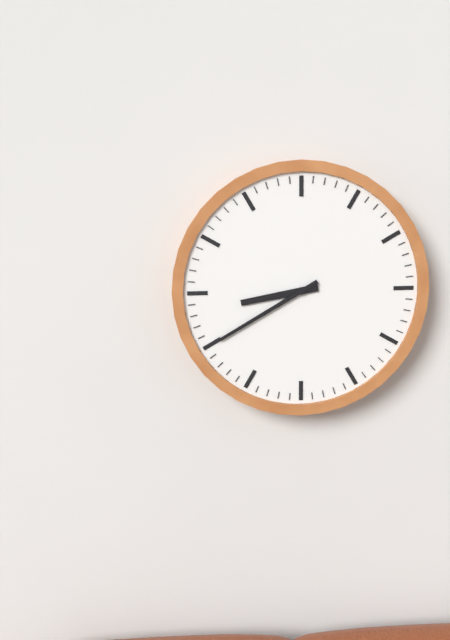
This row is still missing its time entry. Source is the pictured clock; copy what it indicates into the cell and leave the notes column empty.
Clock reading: 8:40
